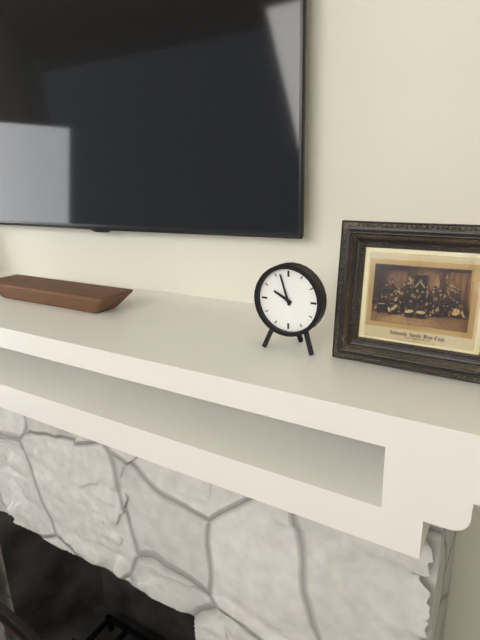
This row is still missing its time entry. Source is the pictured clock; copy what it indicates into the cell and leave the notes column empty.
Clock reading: 9:57
